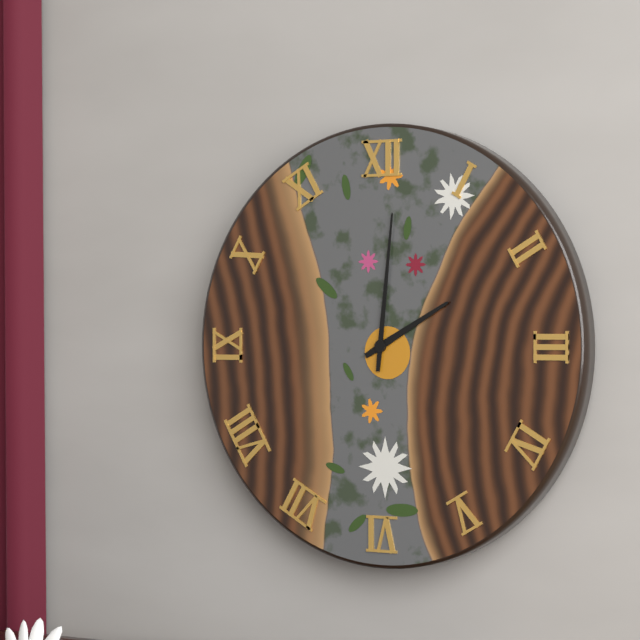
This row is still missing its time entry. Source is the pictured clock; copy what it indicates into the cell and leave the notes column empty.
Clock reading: 2:01
